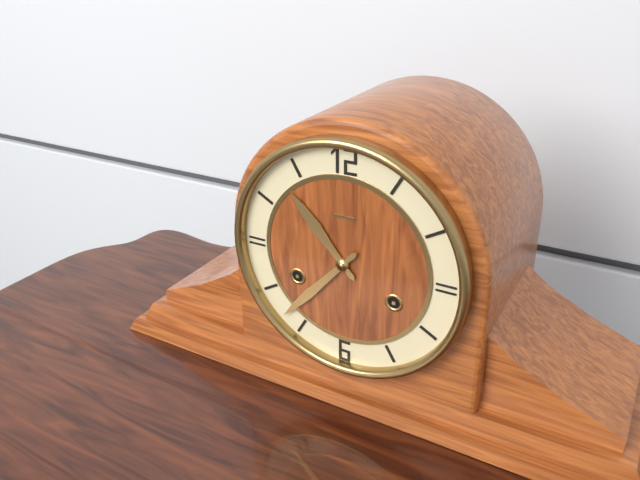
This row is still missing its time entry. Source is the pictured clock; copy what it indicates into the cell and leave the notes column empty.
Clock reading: 10:37
